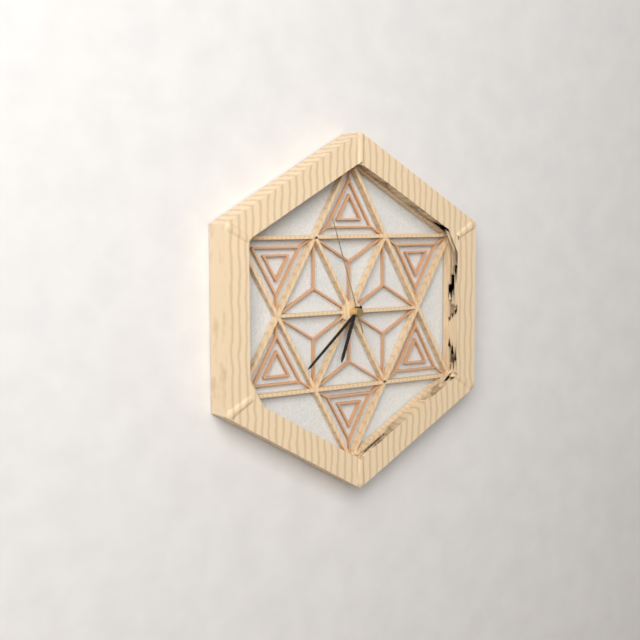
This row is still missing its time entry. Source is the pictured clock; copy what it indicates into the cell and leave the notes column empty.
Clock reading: 6:38:57
